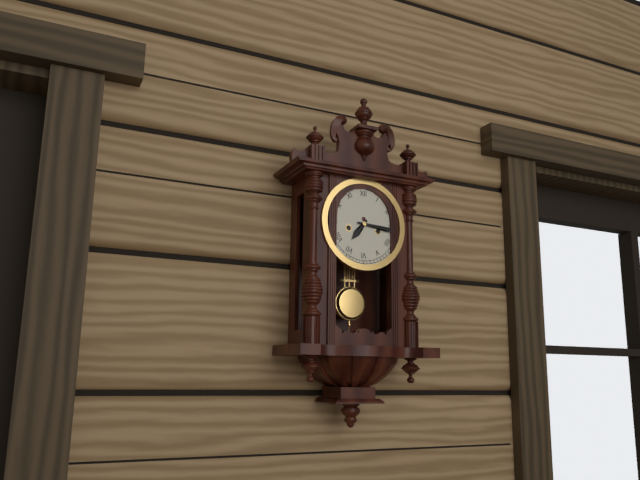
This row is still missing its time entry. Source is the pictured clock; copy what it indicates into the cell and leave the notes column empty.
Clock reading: 7:16
